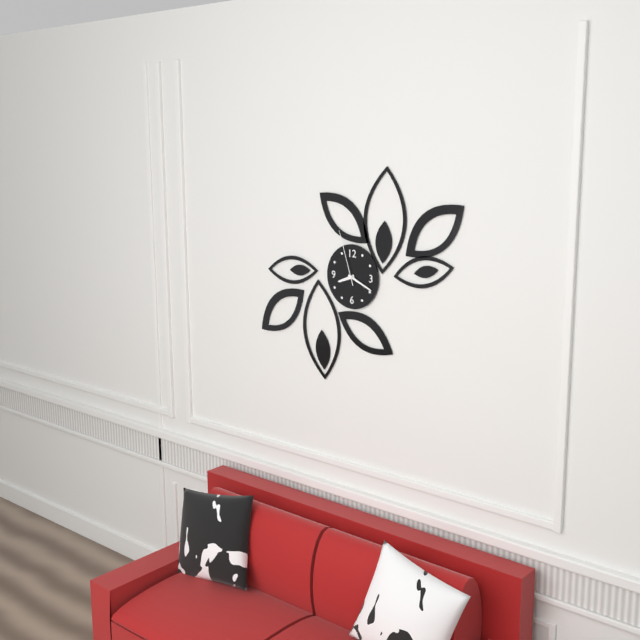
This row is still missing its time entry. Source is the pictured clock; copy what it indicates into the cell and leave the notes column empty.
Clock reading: 8:19:57
